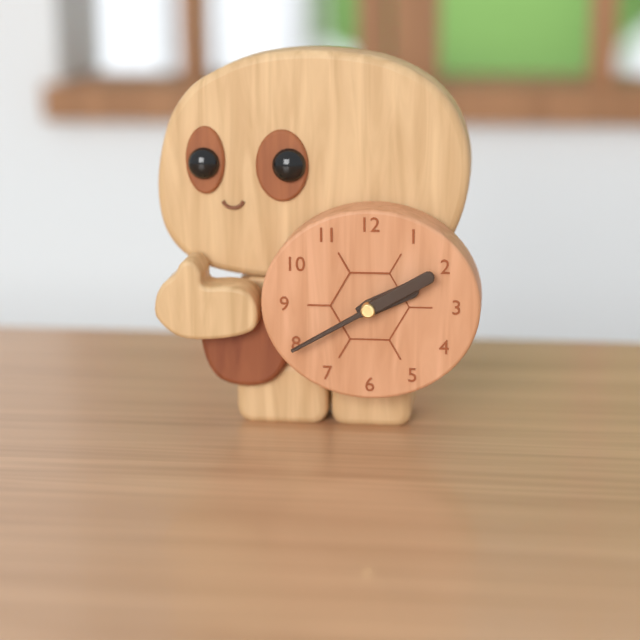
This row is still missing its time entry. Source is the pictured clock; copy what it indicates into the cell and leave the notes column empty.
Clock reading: 2:10
